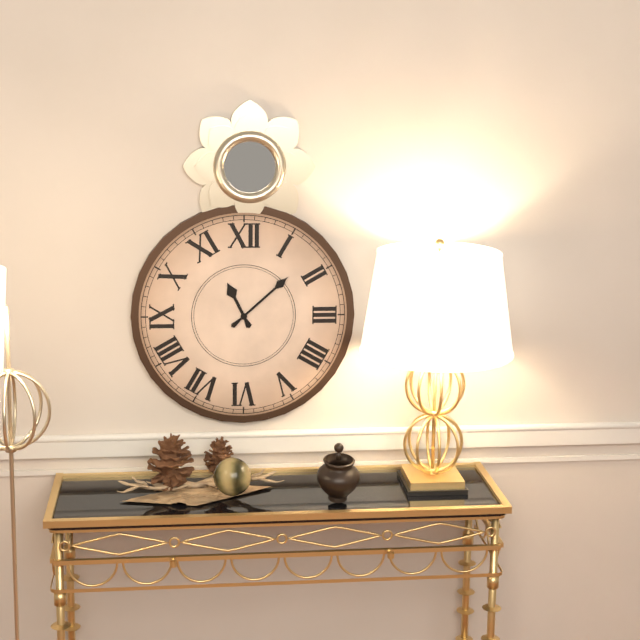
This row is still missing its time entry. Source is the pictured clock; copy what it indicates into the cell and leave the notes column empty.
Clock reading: 11:08
